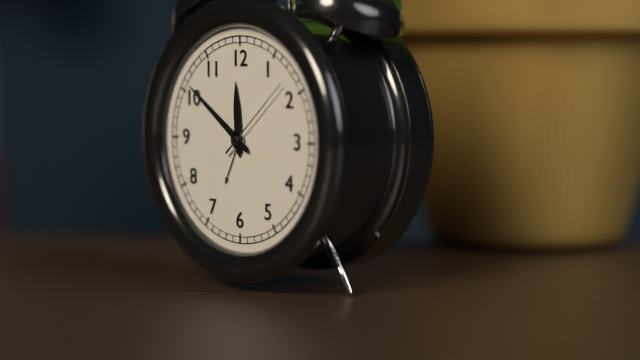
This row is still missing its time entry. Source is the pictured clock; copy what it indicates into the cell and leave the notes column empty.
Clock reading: 11:51:08
